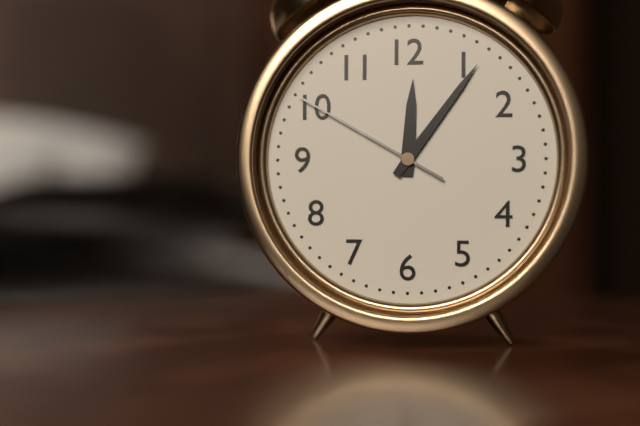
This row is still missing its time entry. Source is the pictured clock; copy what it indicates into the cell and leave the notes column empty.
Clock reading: 12:06:50
